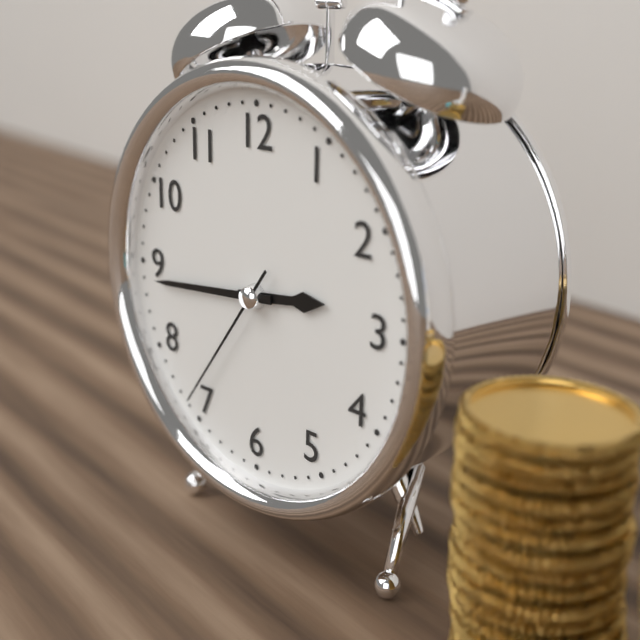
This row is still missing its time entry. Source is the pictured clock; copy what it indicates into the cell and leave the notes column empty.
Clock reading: 2:44:36
